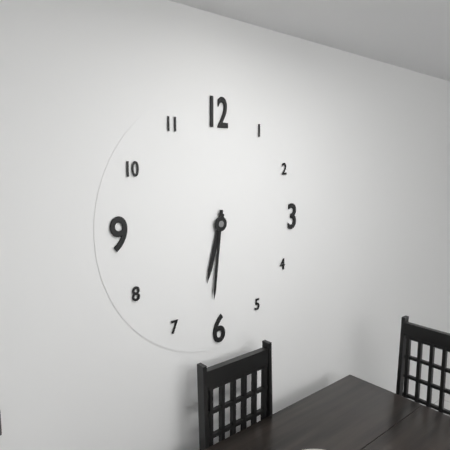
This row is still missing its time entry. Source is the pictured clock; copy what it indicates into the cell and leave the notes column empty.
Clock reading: 6:31
